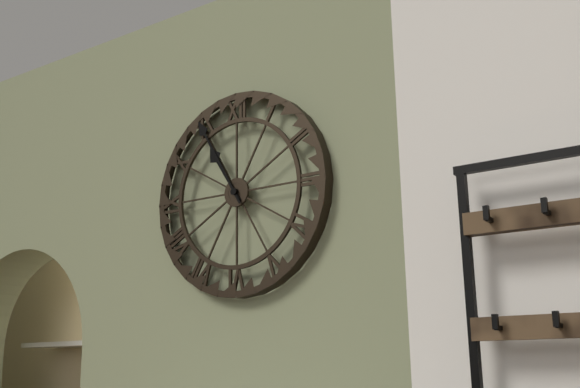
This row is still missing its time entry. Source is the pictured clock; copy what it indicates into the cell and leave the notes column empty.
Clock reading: 10:55
